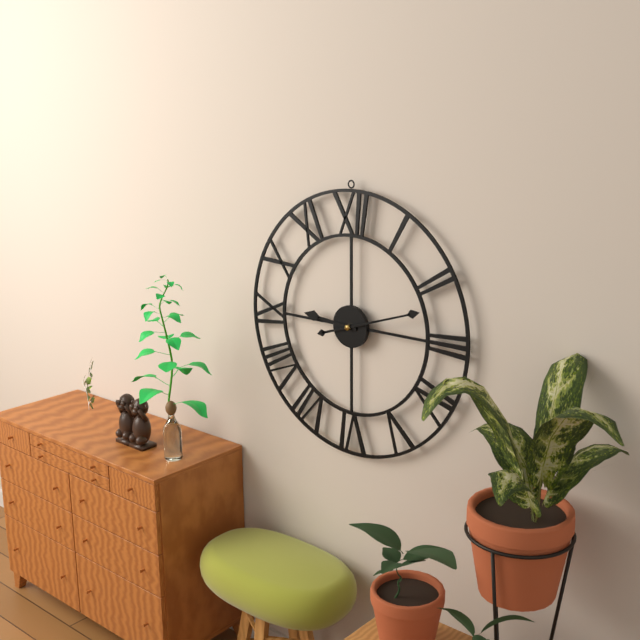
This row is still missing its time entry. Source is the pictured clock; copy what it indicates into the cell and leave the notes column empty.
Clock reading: 9:12
